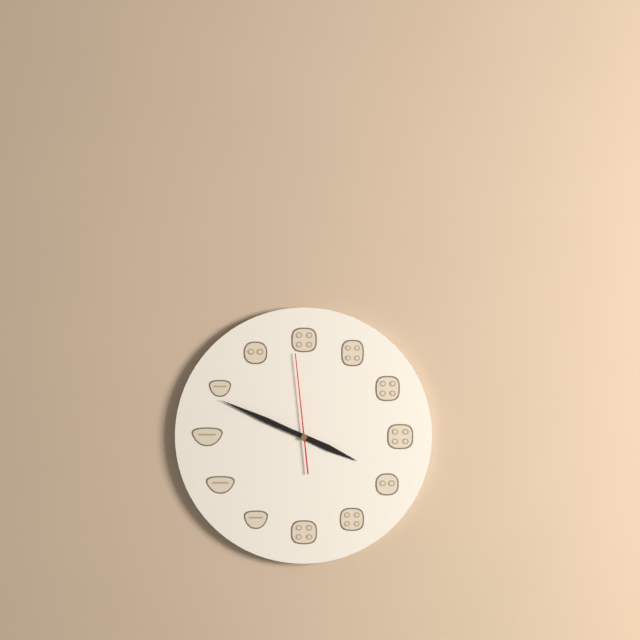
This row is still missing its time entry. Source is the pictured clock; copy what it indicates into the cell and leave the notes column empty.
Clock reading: 3:49:59
